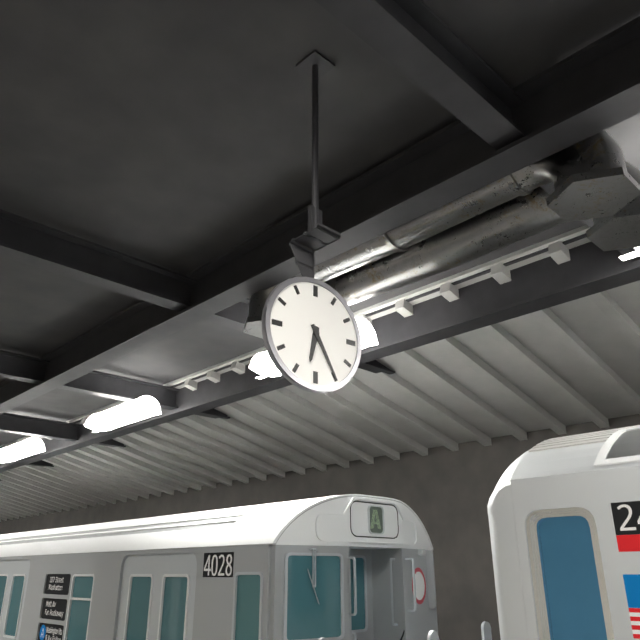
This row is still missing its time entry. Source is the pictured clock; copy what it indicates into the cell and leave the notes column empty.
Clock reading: 6:25
